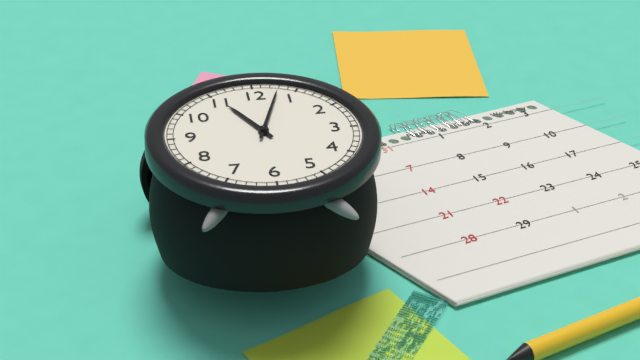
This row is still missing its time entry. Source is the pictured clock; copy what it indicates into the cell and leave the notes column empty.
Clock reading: 11:03
